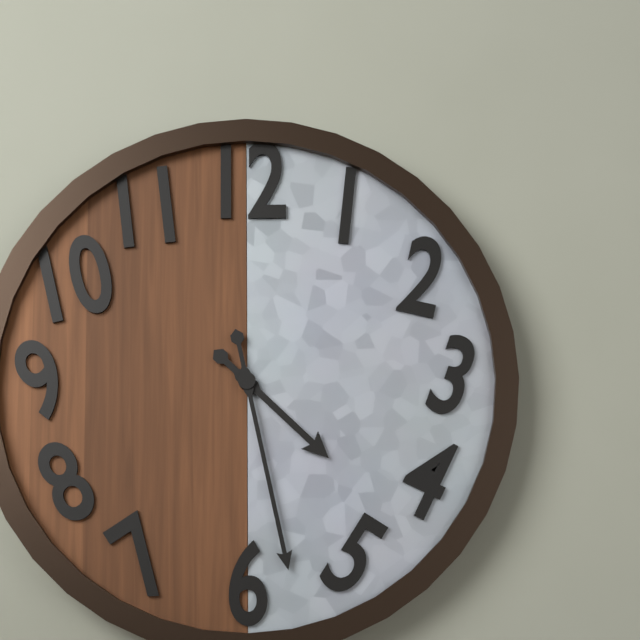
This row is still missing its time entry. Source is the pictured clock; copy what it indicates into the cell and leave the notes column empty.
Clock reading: 4:28
